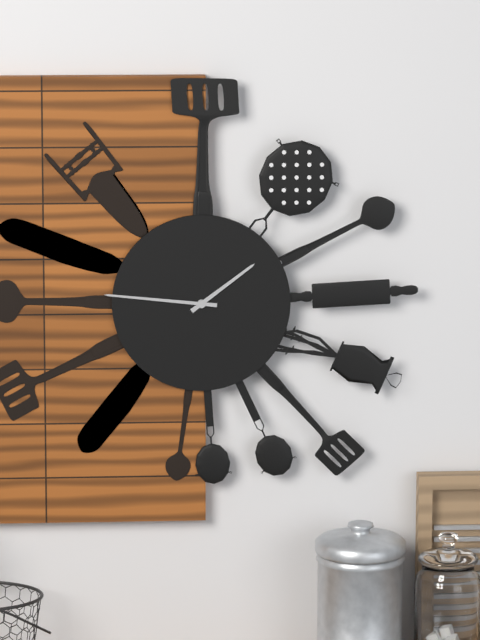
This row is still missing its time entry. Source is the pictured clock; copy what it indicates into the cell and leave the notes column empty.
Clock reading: 1:46
